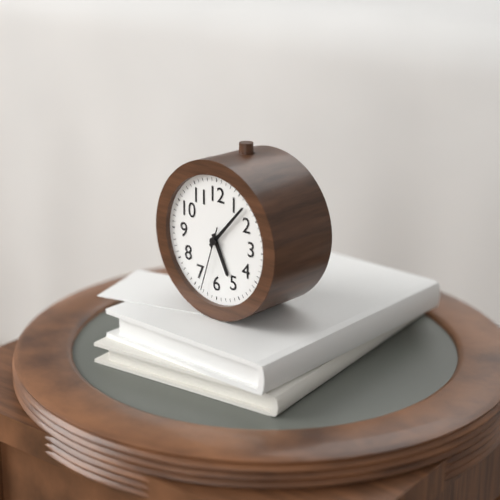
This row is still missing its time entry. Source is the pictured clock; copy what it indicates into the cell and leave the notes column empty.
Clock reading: 5:07:33
